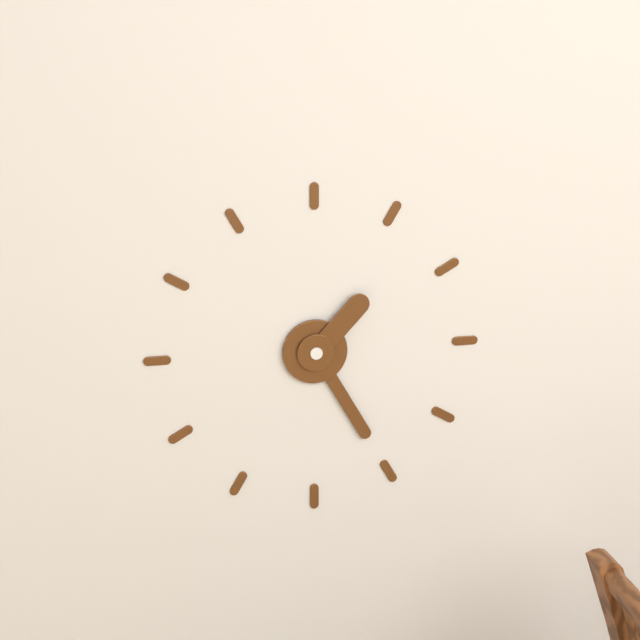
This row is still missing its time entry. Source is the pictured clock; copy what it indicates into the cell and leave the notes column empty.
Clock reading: 1:25
